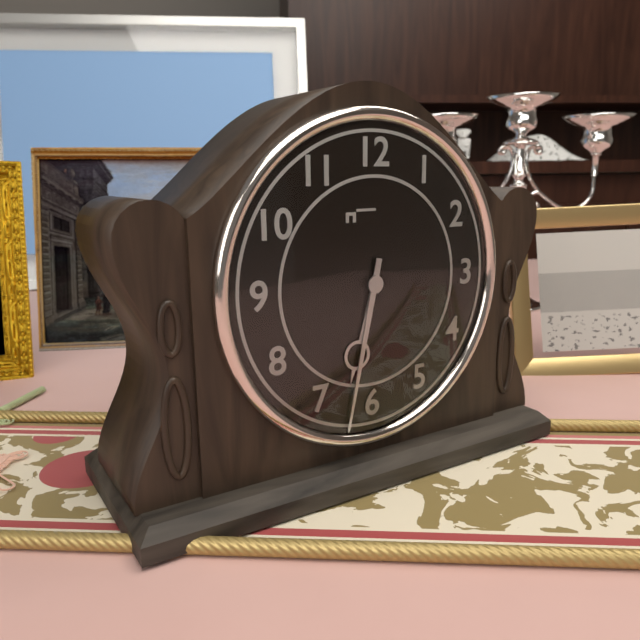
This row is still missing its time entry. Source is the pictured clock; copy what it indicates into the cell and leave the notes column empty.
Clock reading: 6:32
